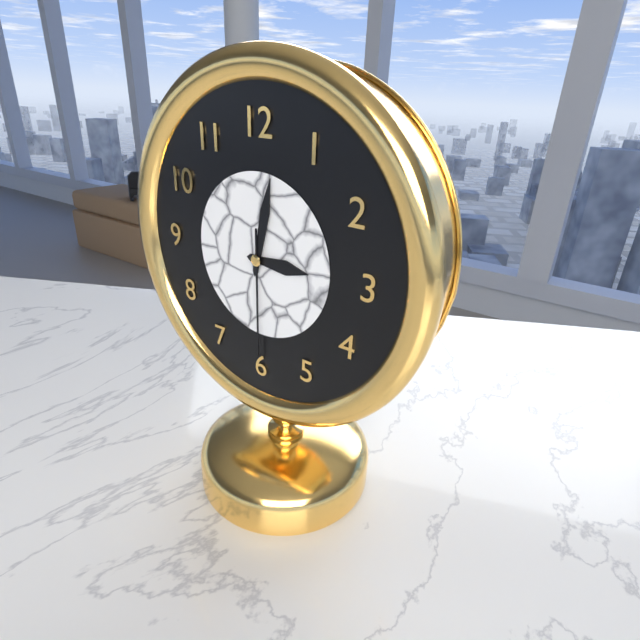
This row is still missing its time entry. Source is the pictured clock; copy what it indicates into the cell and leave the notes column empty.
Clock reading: 3:02:30
